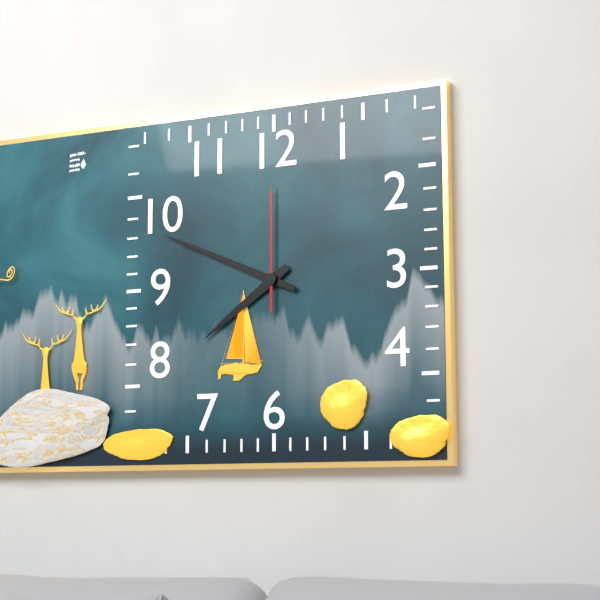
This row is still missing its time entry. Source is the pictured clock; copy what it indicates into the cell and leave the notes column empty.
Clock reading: 7:49:00
